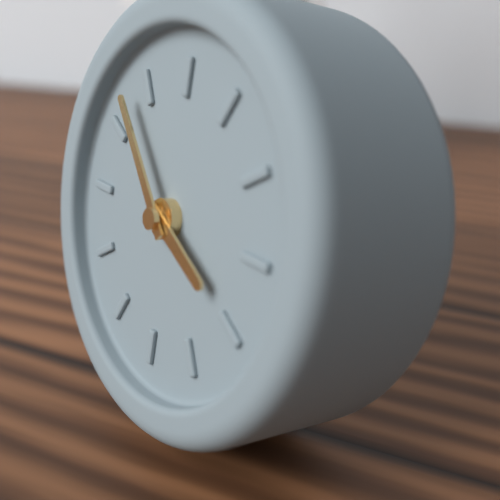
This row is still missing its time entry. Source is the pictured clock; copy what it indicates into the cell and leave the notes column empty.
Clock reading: 3:53
